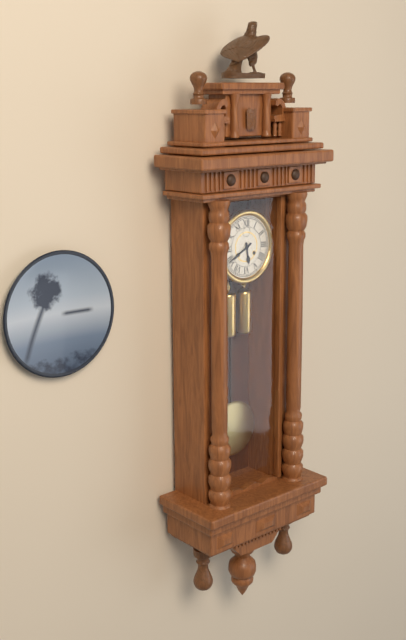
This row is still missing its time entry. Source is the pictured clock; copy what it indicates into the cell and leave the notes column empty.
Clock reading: 5:40
